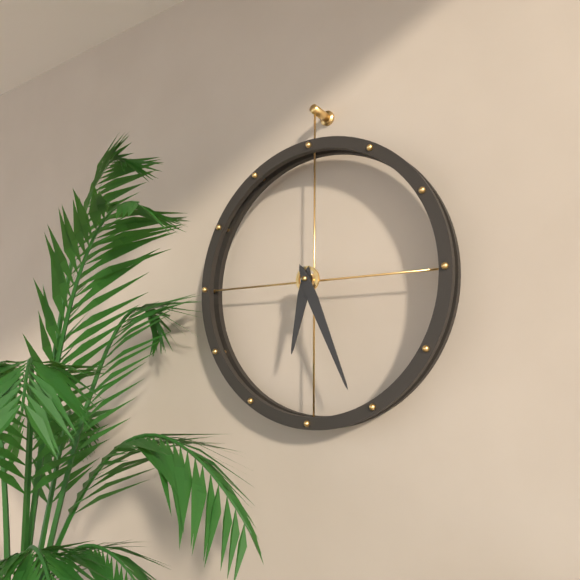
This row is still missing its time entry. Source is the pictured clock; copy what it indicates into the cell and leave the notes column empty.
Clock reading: 6:26
